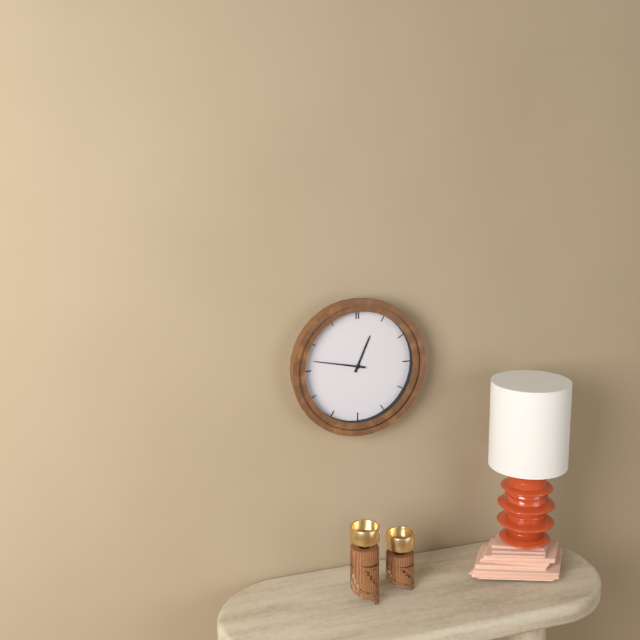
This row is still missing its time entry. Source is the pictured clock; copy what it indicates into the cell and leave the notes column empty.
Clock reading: 12:47
